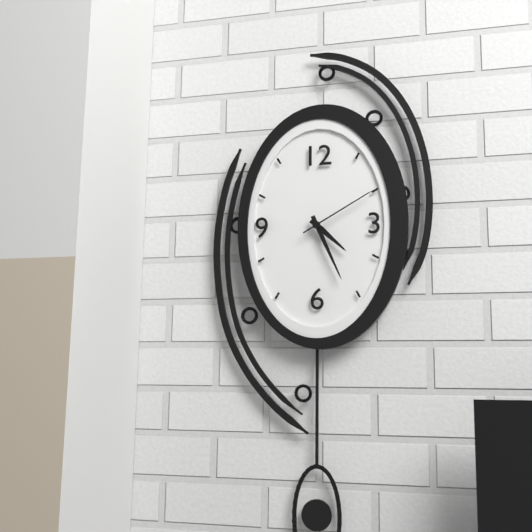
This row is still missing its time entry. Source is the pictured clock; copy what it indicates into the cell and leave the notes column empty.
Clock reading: 4:26:10
